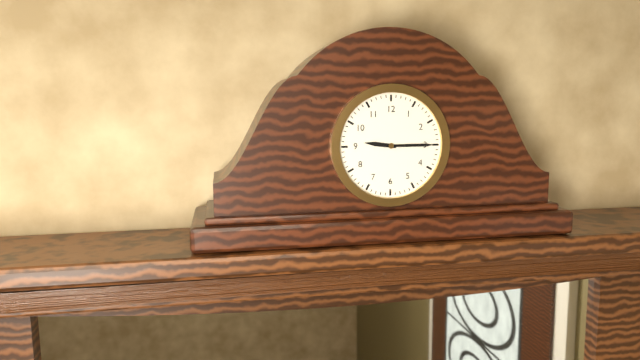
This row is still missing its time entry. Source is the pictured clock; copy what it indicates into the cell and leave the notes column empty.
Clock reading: 9:15
